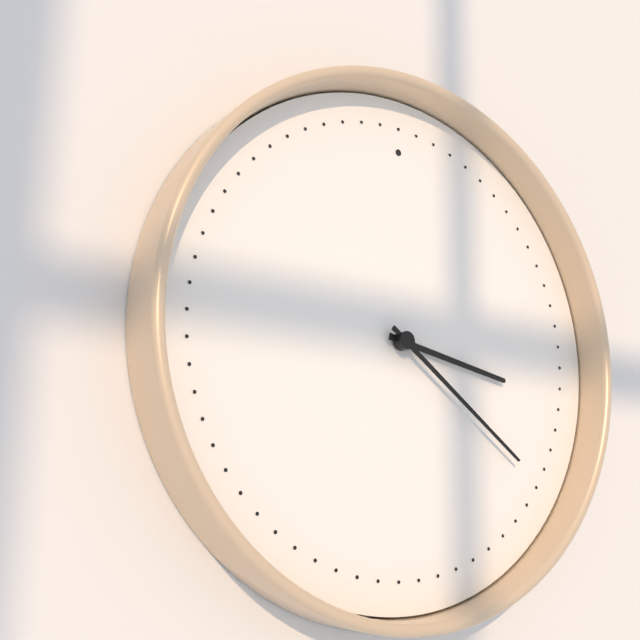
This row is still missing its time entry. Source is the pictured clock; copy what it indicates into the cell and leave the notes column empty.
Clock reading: 3:21
